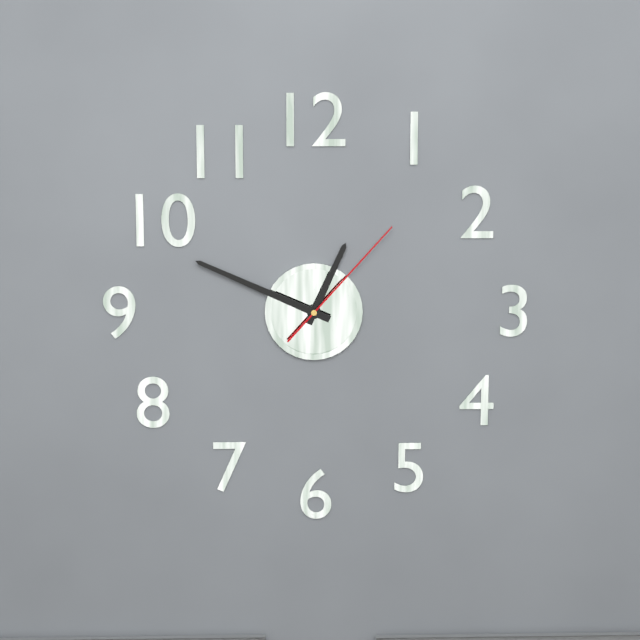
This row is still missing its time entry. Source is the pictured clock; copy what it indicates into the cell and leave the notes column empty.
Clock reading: 12:49:07
